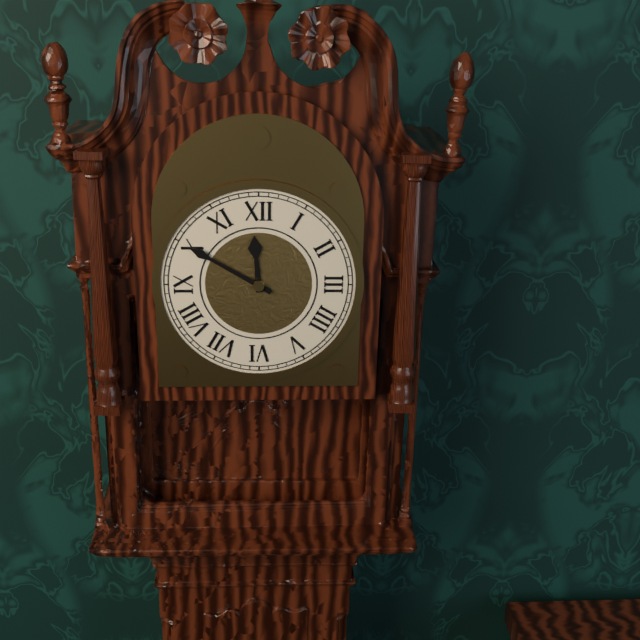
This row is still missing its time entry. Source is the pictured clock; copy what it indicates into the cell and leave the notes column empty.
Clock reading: 11:50
